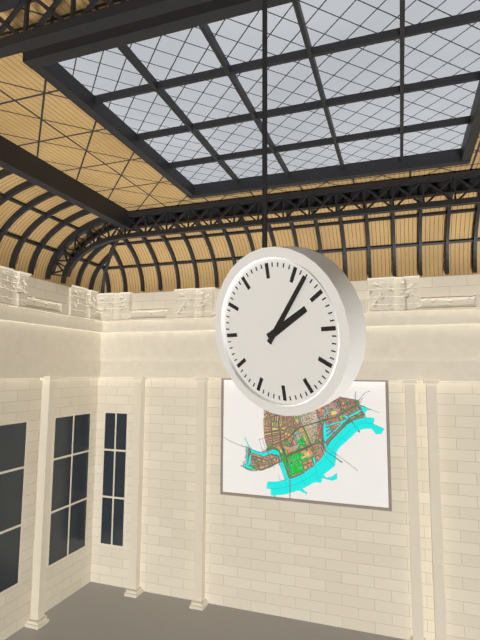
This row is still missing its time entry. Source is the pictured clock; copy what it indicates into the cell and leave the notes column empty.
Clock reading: 2:07
